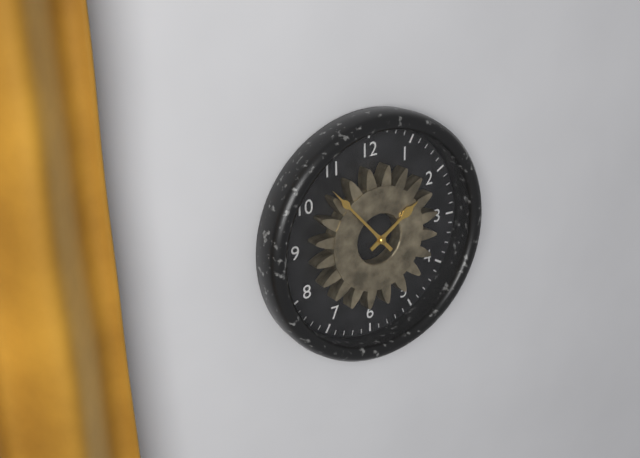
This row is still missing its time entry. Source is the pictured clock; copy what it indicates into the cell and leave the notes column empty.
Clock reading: 1:53
